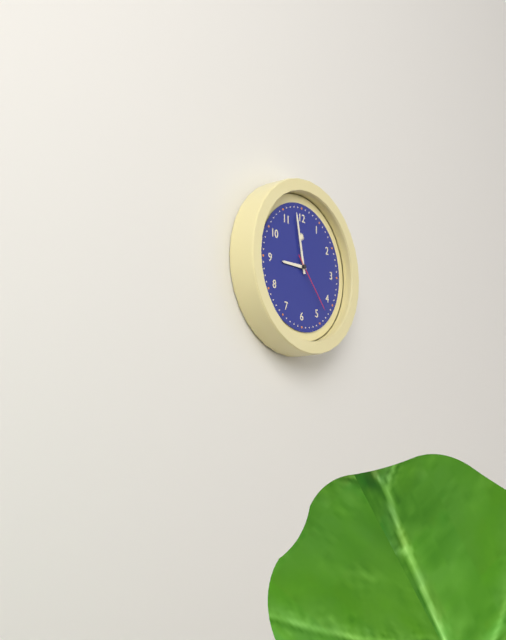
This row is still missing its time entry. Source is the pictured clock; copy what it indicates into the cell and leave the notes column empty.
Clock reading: 8:58:23
